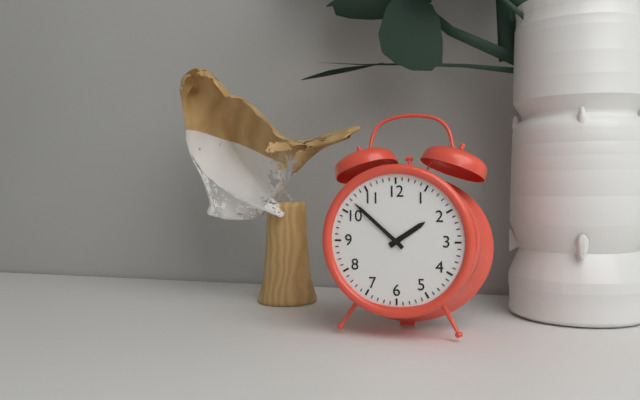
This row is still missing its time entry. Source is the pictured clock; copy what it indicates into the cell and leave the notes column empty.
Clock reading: 1:52
